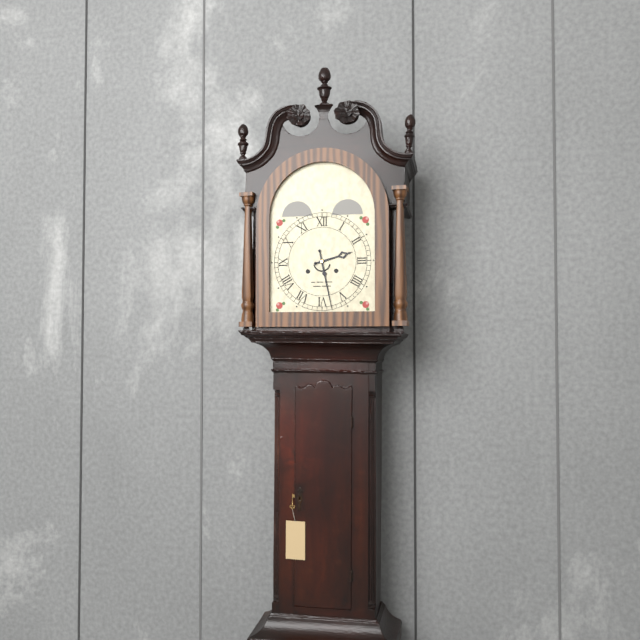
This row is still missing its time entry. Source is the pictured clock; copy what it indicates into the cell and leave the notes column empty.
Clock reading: 2:28
